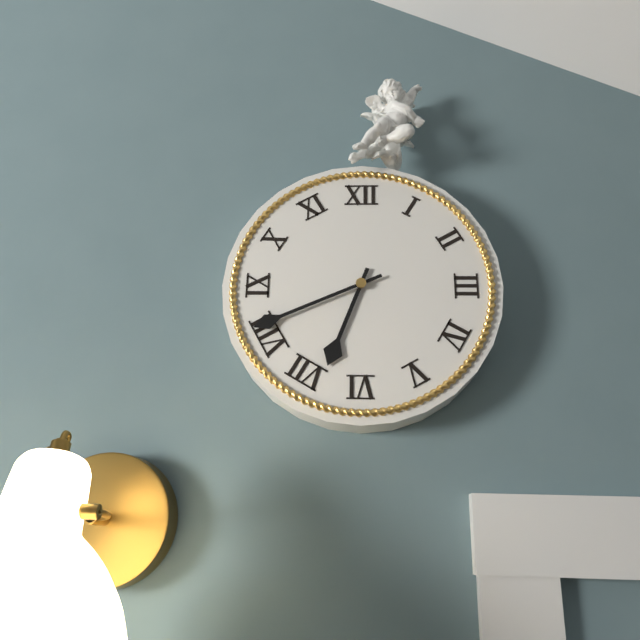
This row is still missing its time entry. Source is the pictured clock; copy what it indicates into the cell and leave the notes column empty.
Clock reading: 6:41
